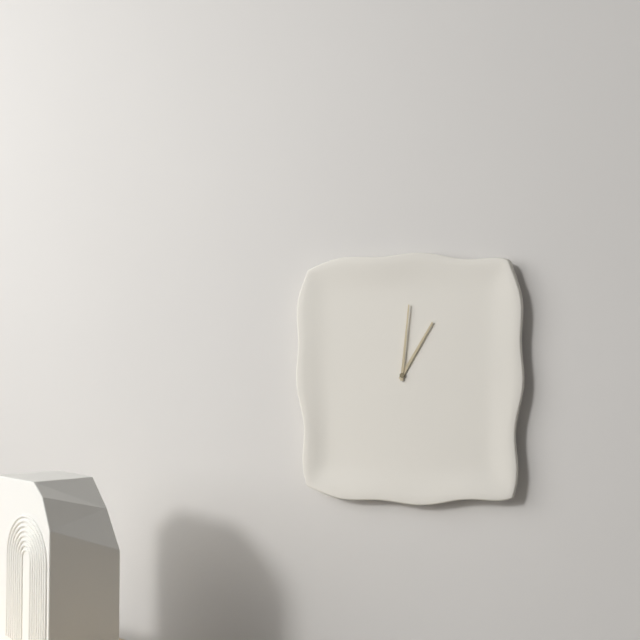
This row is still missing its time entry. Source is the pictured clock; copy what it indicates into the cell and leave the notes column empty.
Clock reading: 1:01
